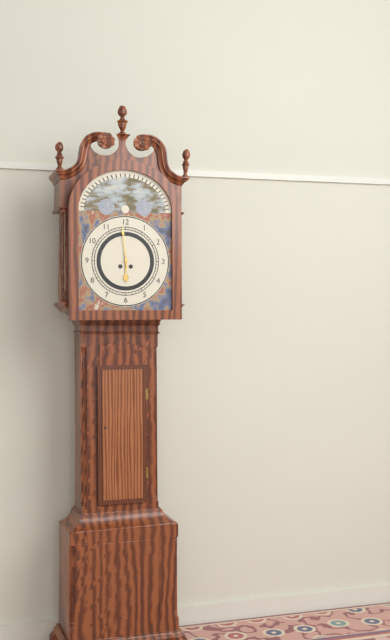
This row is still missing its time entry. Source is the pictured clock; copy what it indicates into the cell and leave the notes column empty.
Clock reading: 5:59
